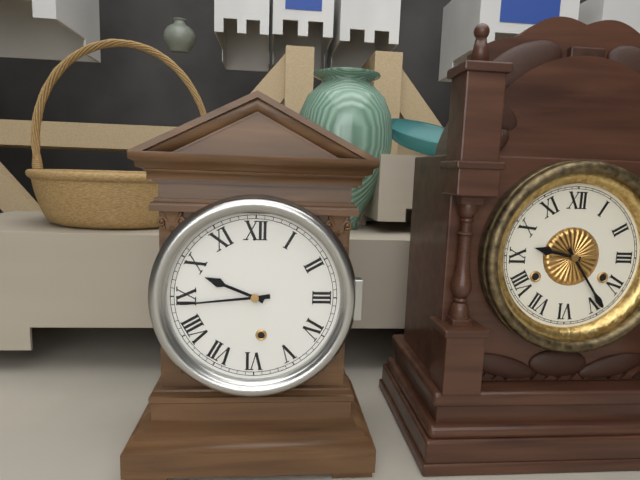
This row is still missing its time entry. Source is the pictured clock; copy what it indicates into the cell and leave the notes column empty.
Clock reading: 9:44
